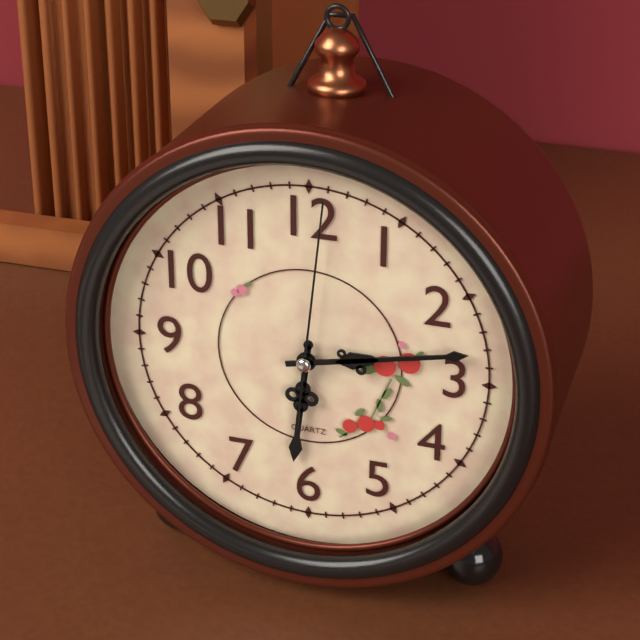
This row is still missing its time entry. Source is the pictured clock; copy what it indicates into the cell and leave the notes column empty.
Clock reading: 6:13:01
